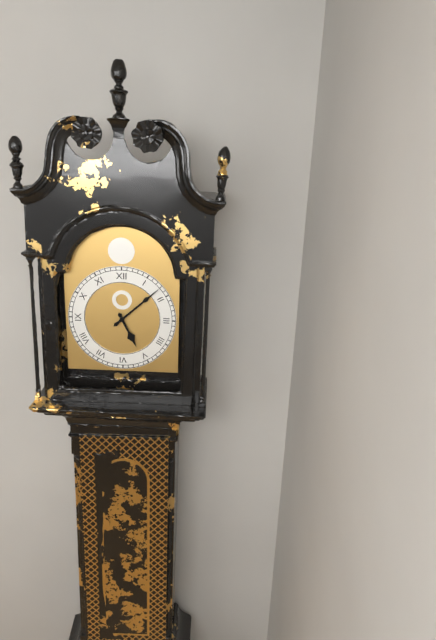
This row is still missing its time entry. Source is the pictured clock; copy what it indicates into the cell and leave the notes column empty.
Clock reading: 5:08
